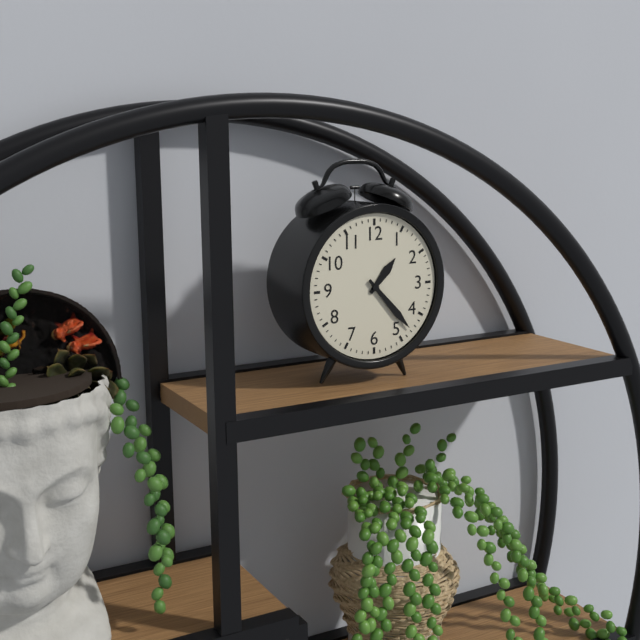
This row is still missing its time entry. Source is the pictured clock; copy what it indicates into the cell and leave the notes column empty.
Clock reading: 1:23
